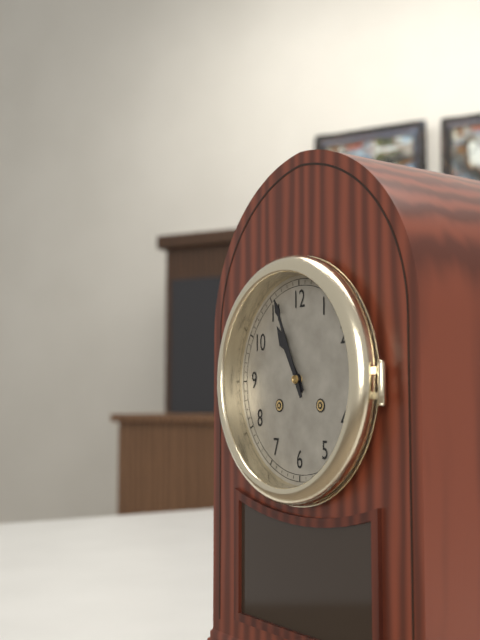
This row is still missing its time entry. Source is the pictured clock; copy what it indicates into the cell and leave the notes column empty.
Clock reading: 10:56
